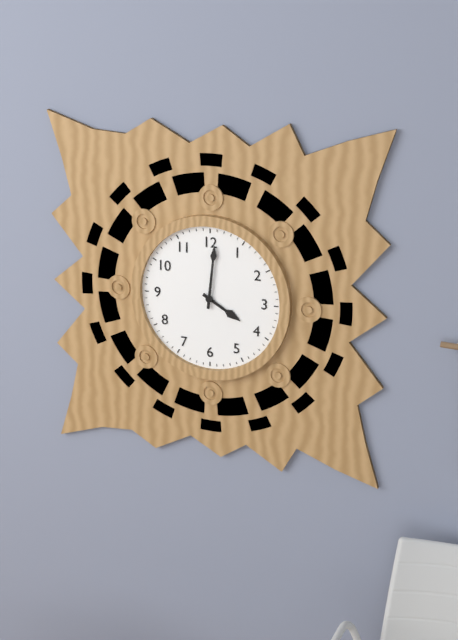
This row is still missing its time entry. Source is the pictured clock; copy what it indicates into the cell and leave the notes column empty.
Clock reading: 4:01
